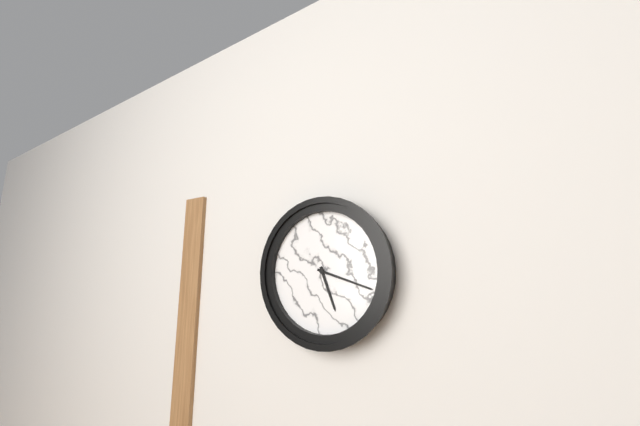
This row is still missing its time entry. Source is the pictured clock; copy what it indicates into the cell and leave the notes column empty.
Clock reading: 5:18
